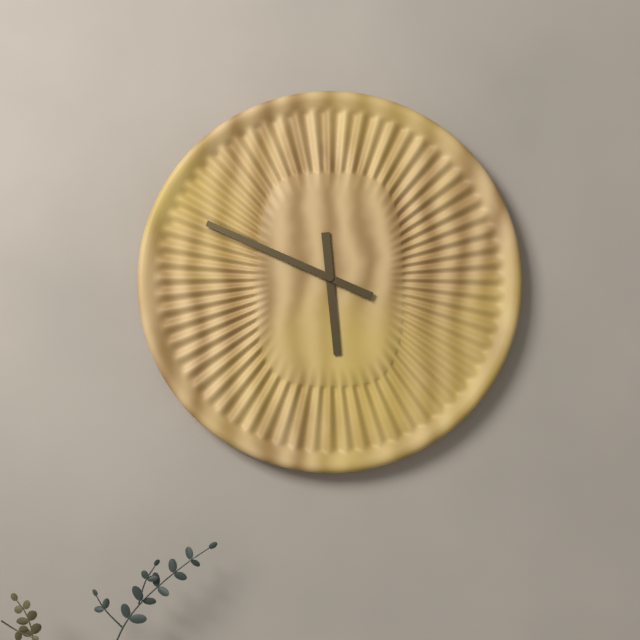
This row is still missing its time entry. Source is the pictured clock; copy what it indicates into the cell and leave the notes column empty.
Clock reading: 5:49
